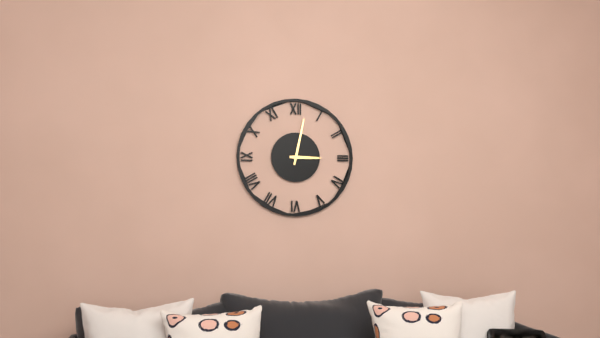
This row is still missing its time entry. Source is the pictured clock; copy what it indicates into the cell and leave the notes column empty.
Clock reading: 3:02
